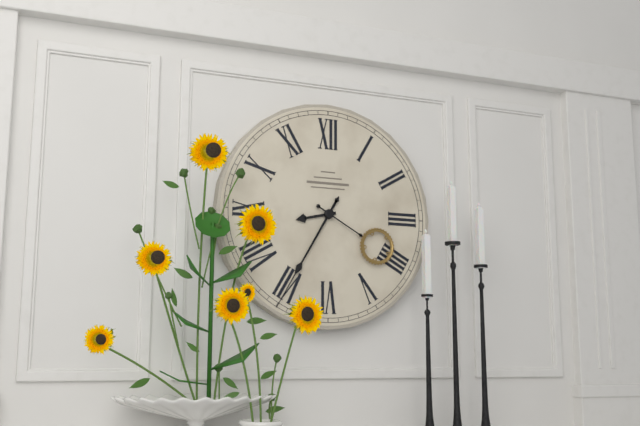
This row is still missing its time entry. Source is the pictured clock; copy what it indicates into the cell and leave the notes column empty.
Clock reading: 8:35:20
